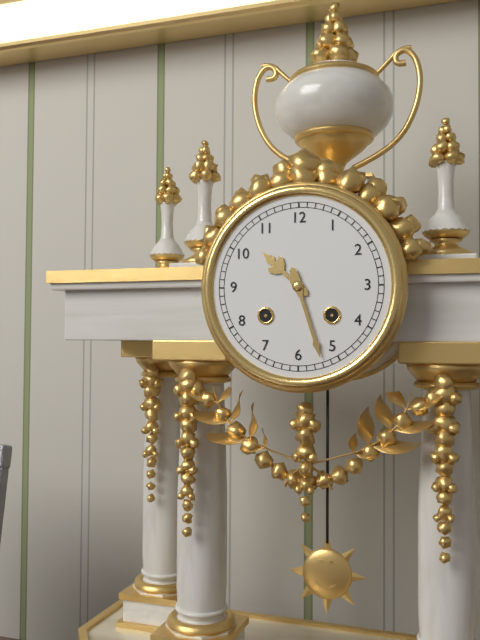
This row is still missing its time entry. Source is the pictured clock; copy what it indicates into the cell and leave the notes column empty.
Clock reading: 10:27
